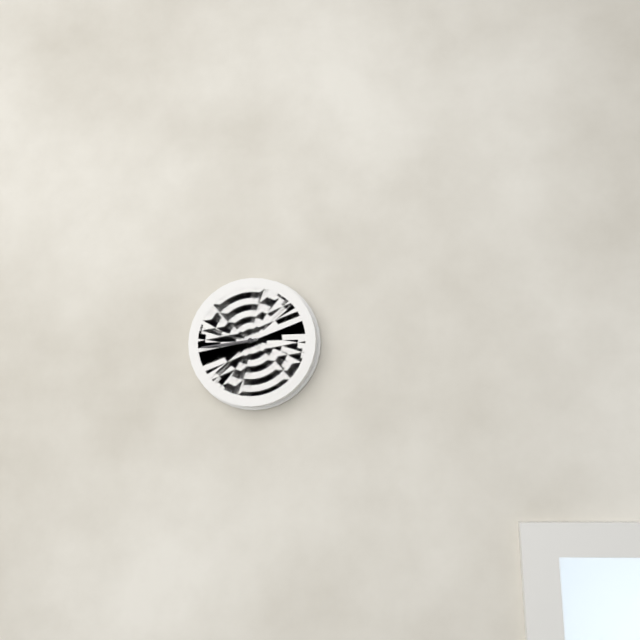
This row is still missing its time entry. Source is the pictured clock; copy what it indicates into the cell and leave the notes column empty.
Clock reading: 8:44
